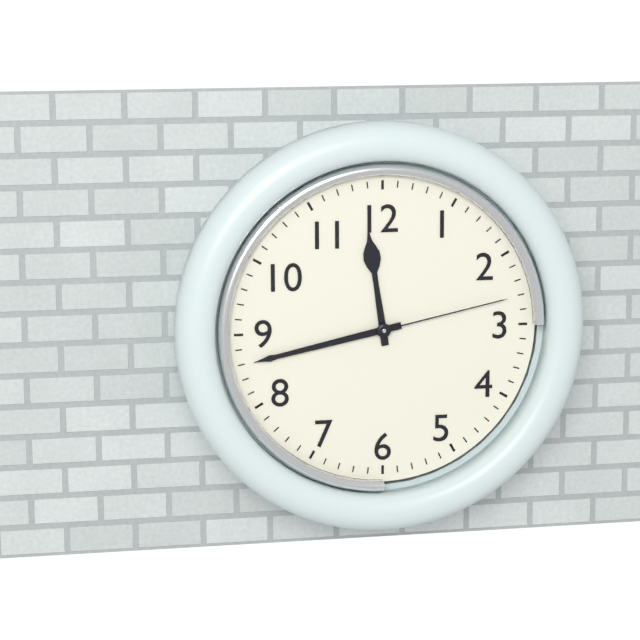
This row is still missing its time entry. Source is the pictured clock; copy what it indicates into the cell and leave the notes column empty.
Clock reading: 11:43:13
